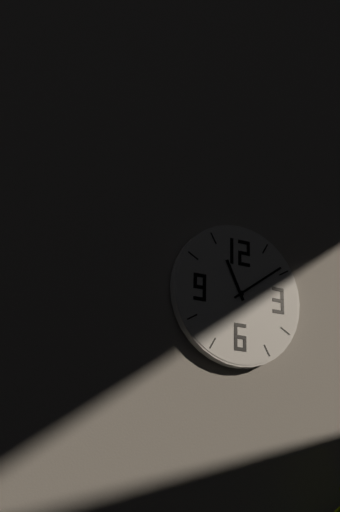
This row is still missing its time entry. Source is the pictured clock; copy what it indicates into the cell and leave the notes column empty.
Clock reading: 11:09
